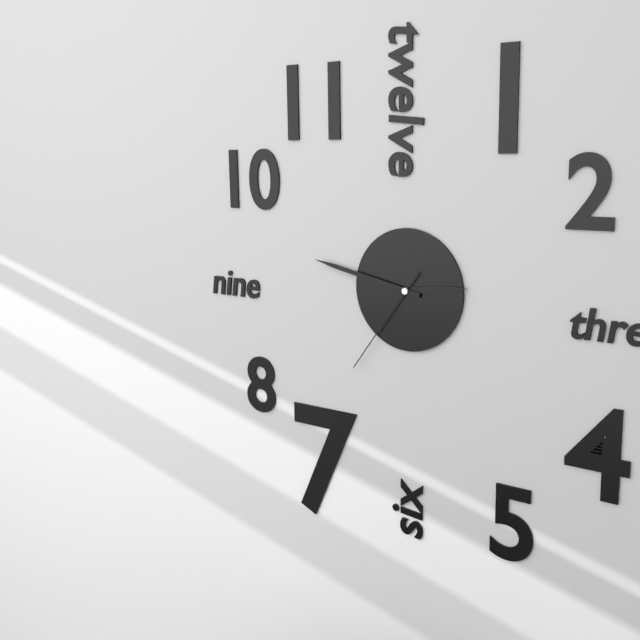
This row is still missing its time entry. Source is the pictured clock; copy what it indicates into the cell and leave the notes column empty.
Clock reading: 2:47:36
